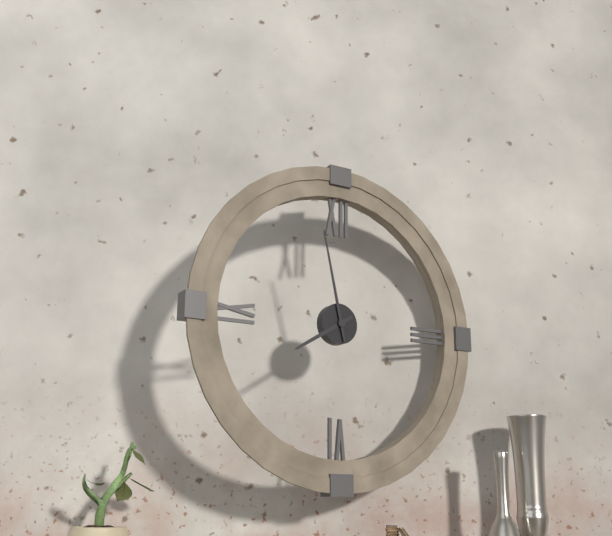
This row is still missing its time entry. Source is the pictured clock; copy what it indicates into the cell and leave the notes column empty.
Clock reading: 7:58
